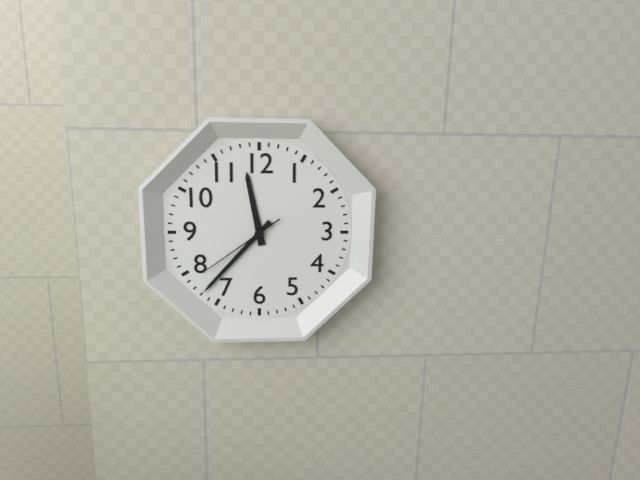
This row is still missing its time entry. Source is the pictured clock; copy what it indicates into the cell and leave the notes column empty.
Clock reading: 11:37:39
